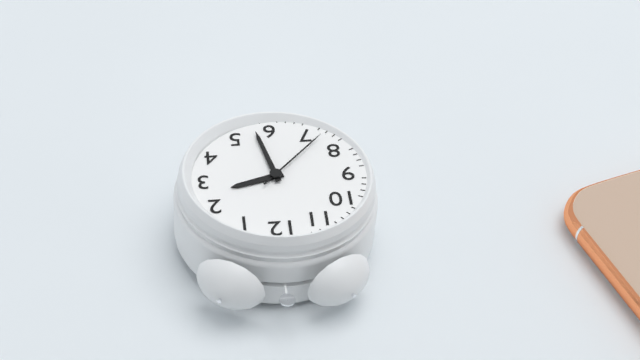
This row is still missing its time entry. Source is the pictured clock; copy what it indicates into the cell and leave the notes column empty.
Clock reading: 2:28:37
